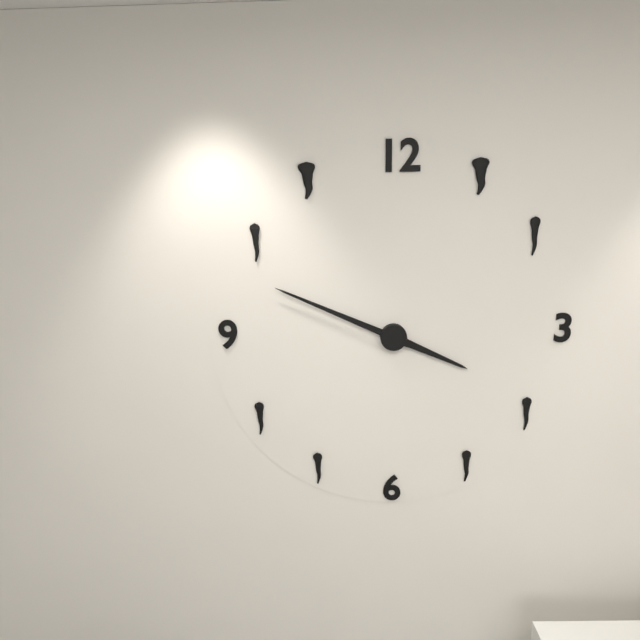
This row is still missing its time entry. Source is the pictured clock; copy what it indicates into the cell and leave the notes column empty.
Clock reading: 3:49
